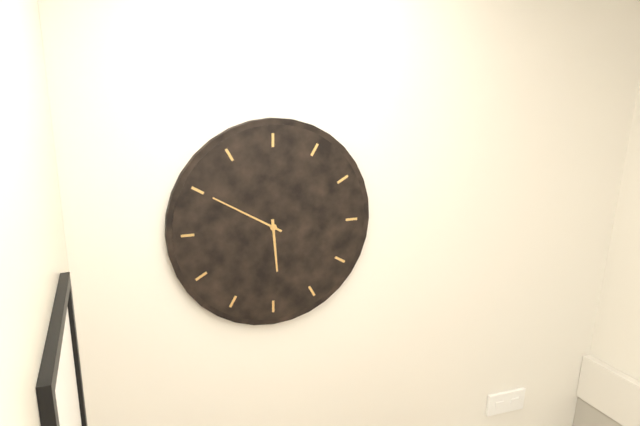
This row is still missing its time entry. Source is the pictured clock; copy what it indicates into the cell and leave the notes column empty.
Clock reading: 5:50
